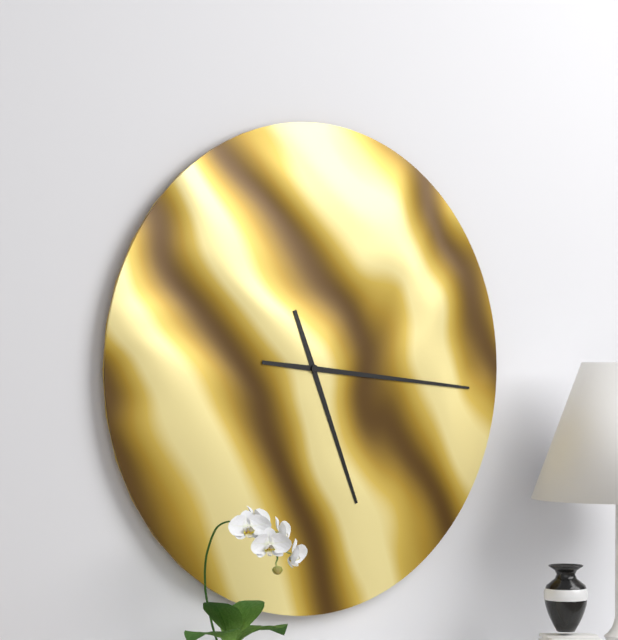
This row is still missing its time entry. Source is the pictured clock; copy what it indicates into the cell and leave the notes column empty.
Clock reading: 5:16
